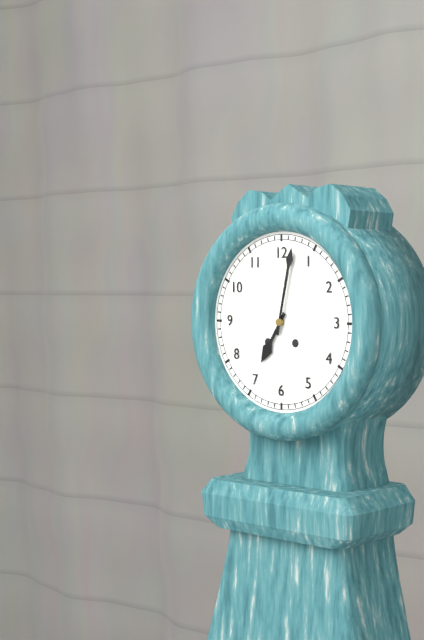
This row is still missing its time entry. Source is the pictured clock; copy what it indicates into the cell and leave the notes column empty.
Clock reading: 7:02
